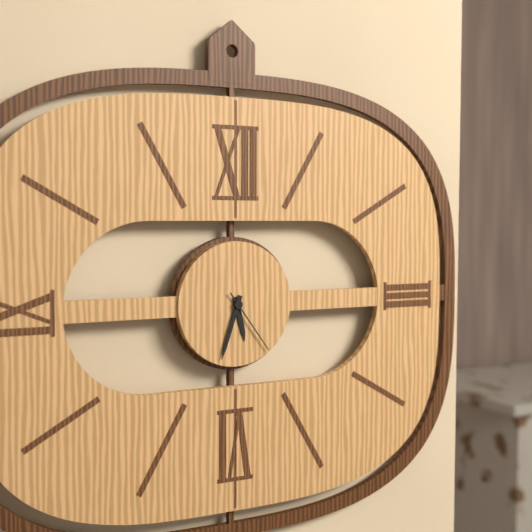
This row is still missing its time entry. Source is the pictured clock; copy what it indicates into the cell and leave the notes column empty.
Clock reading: 5:33:24
